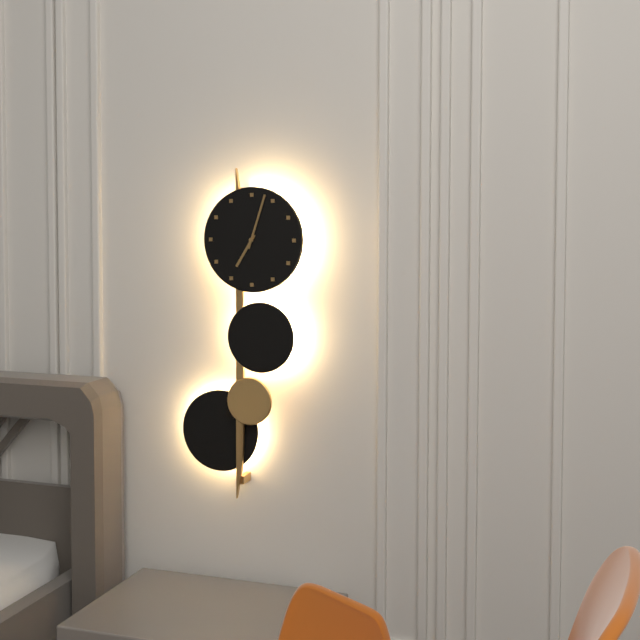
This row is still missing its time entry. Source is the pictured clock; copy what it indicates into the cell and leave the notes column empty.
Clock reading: 7:03
